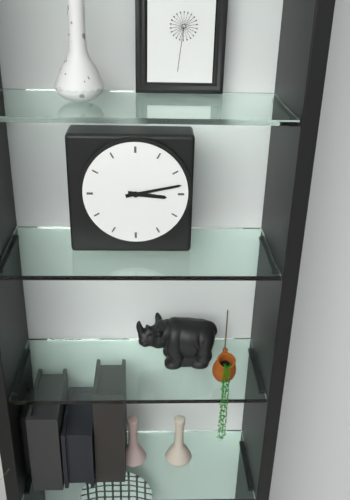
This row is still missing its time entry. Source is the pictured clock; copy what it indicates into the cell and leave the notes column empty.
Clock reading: 3:13
